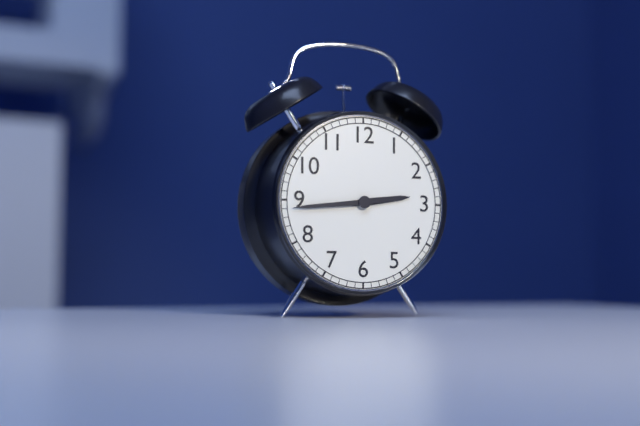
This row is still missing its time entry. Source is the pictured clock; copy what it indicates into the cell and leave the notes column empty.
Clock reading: 2:44
